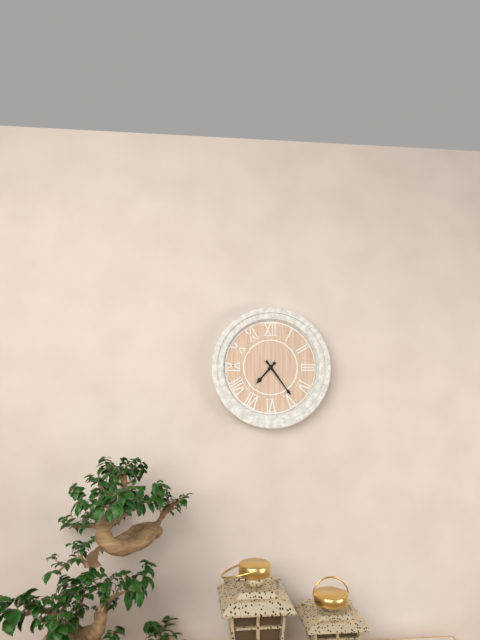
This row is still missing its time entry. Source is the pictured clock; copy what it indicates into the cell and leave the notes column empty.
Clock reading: 7:24
